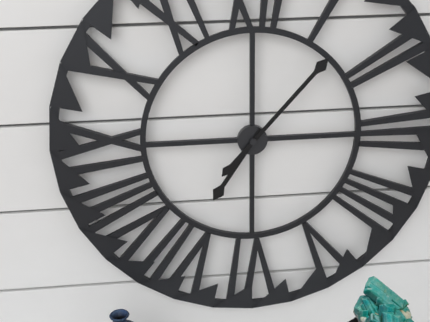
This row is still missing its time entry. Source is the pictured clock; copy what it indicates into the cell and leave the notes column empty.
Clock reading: 7:07
